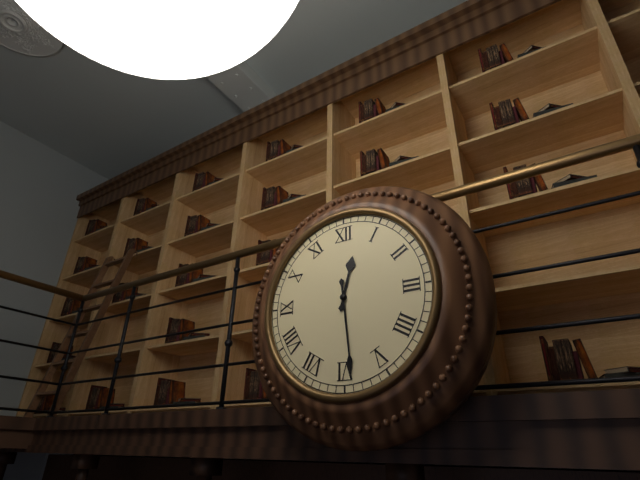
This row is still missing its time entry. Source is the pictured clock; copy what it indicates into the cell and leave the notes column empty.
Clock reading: 12:29
